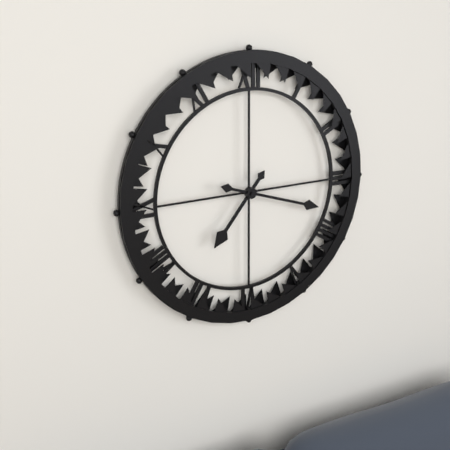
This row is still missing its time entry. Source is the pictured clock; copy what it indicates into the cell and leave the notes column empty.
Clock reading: 7:18
